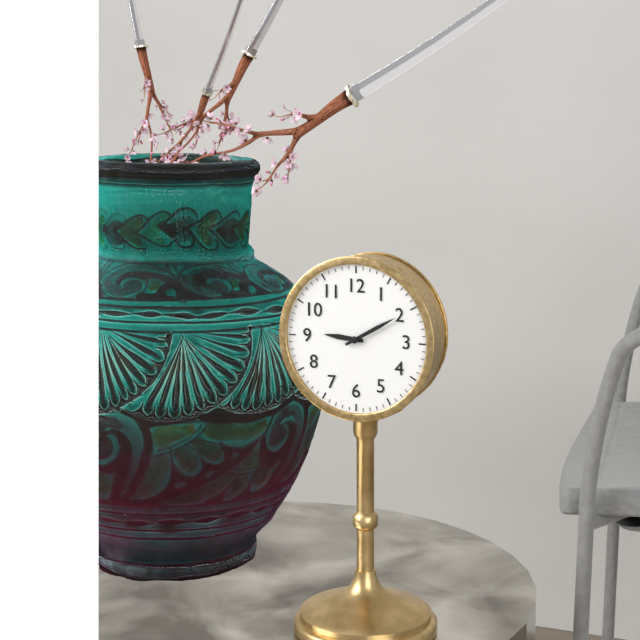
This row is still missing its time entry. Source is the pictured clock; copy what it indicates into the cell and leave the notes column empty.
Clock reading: 9:10
